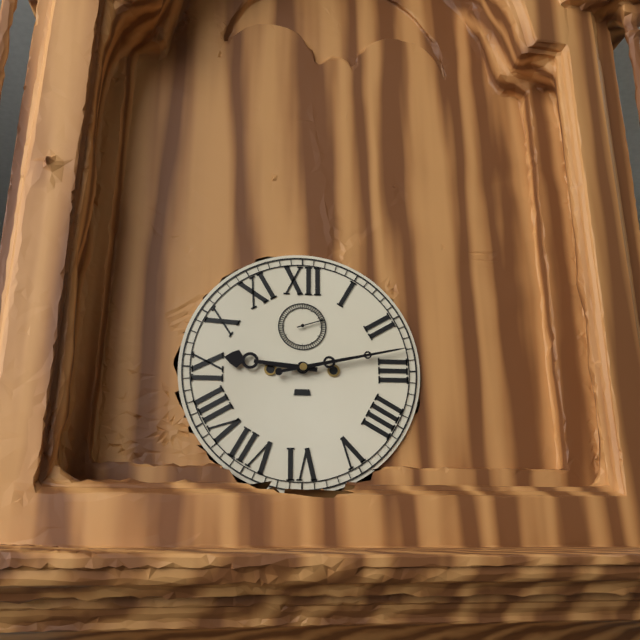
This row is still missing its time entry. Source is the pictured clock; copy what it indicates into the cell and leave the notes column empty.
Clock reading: 9:13
